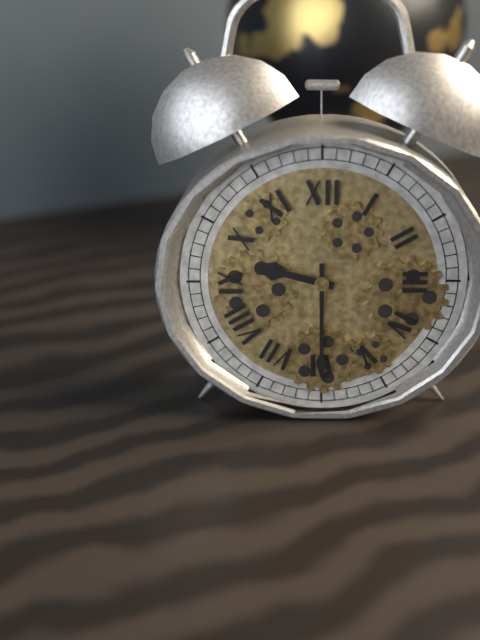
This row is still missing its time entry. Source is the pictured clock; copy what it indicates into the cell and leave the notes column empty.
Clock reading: 9:30
